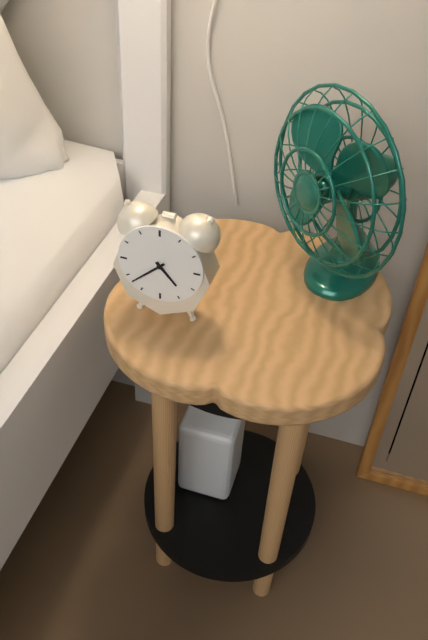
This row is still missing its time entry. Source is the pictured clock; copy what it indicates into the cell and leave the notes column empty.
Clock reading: 4:38
